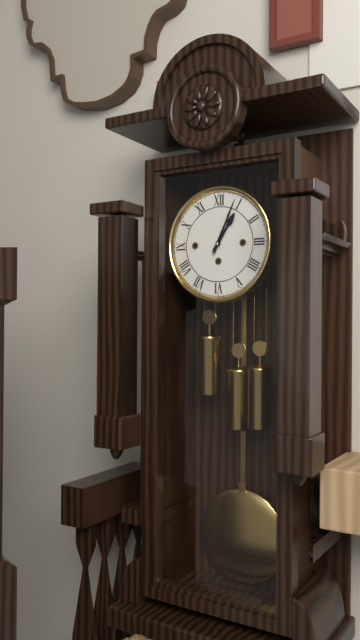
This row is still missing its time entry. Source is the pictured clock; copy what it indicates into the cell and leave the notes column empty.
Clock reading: 1:04
